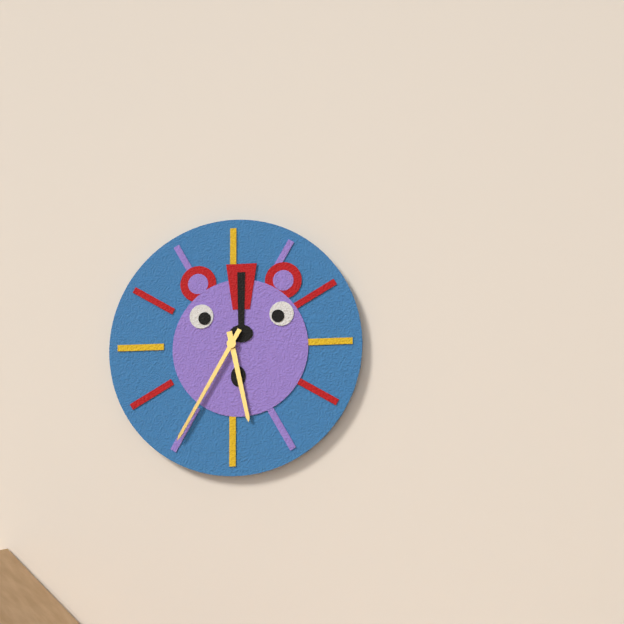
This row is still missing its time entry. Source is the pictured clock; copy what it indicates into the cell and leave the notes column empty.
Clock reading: 5:35
